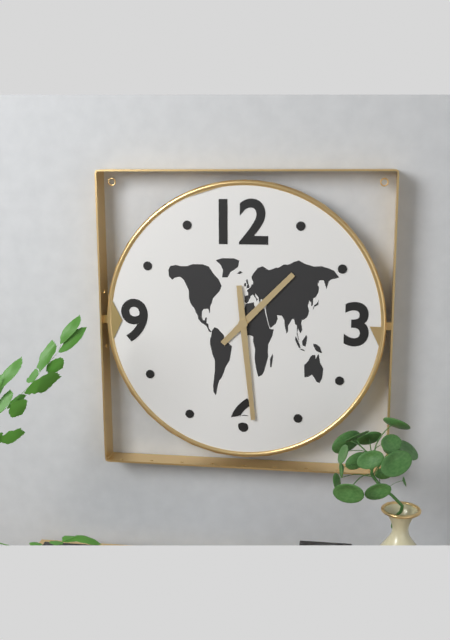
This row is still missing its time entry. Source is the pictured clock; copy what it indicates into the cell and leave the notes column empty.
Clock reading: 1:29
